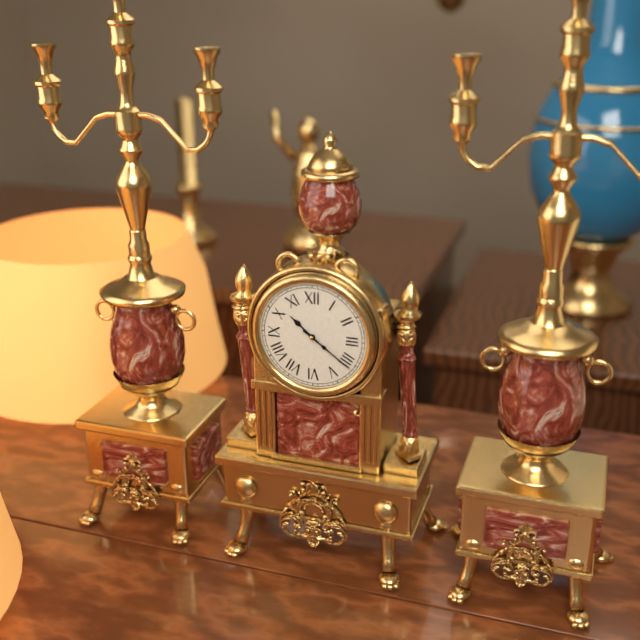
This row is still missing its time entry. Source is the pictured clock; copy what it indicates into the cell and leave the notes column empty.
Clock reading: 10:21
